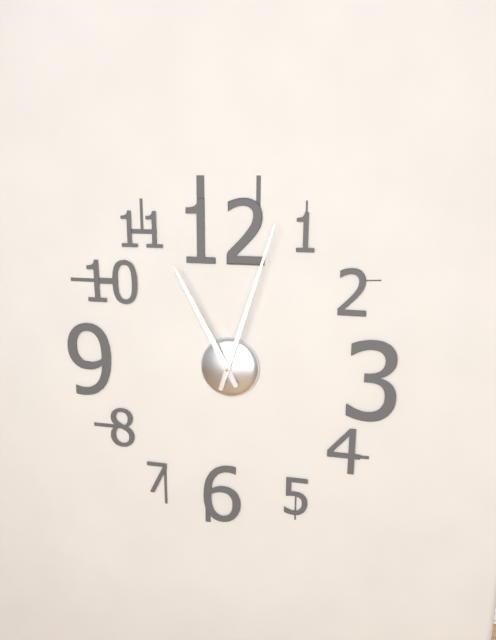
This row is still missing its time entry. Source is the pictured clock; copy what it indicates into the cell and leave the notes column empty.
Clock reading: 11:03
